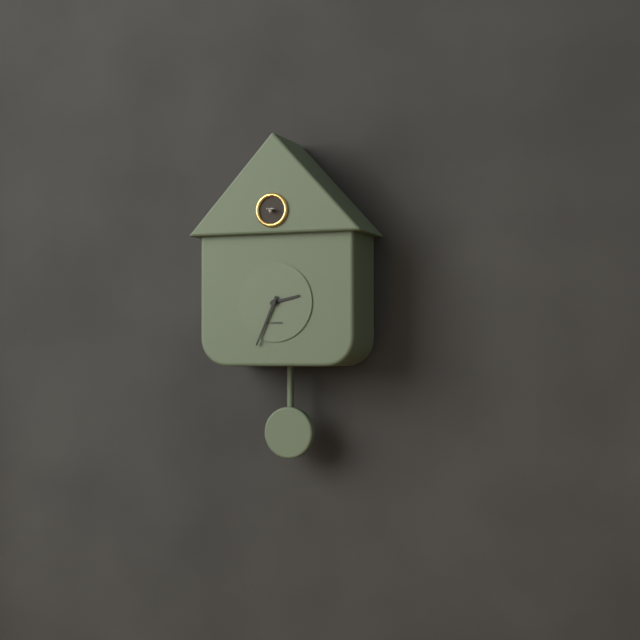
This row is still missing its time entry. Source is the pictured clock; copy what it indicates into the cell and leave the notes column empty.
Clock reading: 2:34
